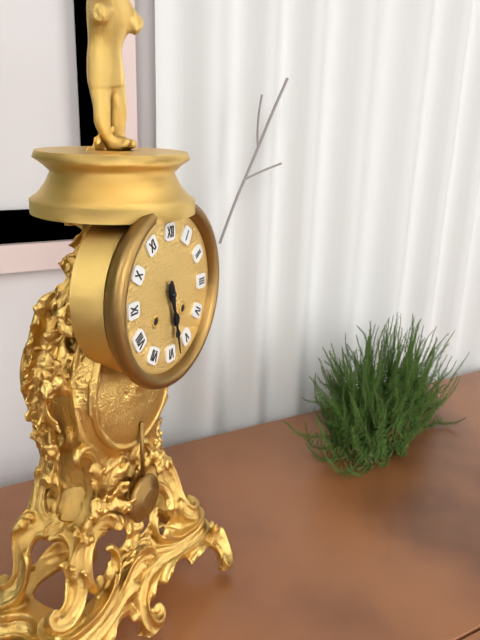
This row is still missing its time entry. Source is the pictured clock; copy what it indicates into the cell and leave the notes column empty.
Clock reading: 5:28
